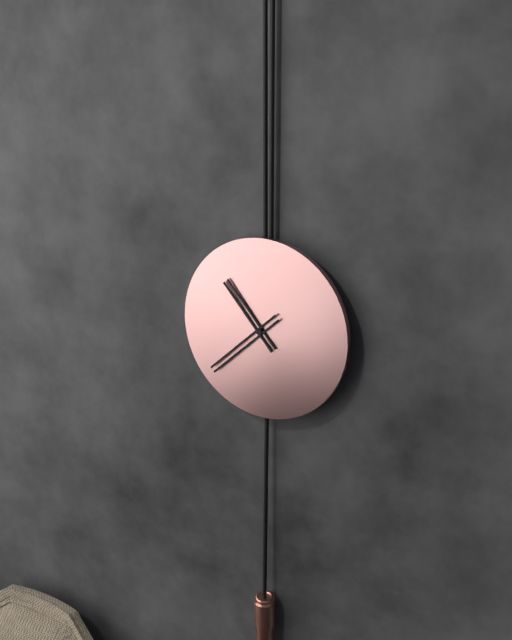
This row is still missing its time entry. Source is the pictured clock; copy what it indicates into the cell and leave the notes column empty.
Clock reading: 10:38
